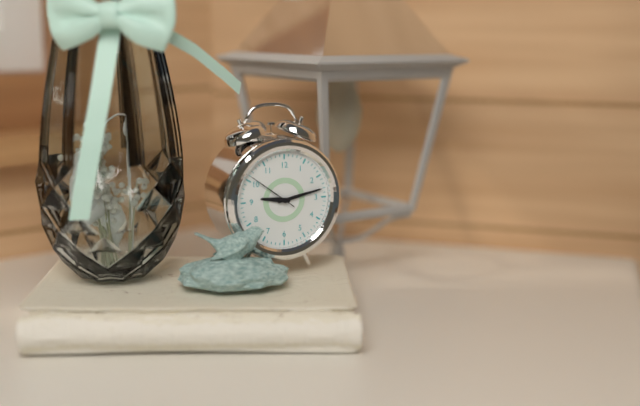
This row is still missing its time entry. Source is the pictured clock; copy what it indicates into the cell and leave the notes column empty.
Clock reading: 9:13:51
